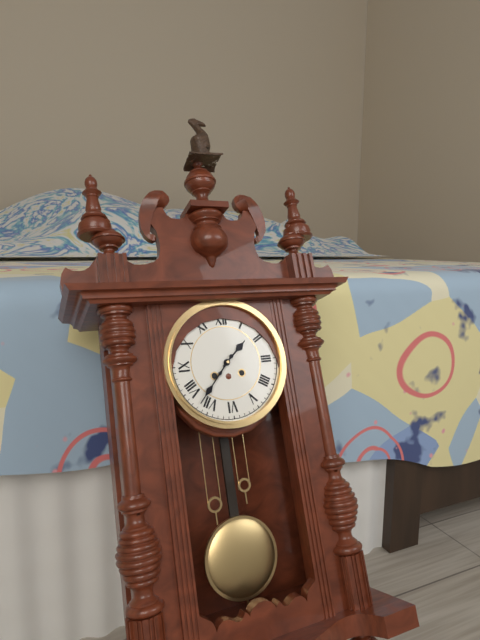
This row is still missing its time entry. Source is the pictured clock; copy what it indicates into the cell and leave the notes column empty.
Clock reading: 1:37
